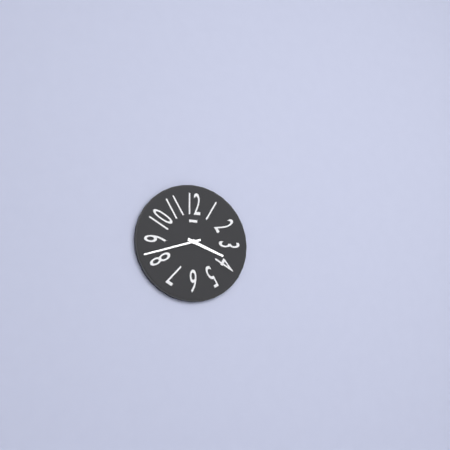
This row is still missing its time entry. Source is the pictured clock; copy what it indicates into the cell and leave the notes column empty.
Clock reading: 3:42
